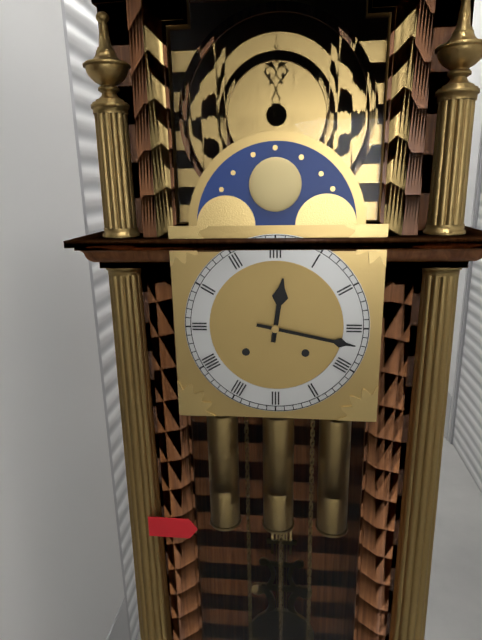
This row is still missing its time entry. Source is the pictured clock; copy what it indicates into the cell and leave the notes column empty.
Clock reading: 12:17
